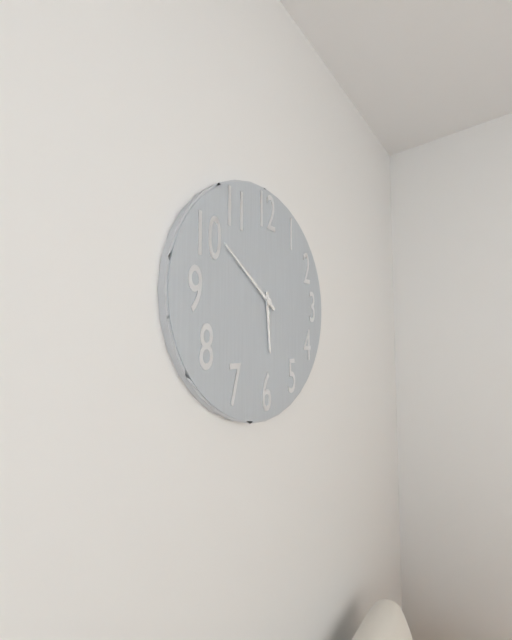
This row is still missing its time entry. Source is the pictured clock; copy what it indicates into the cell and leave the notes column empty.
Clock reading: 5:51
